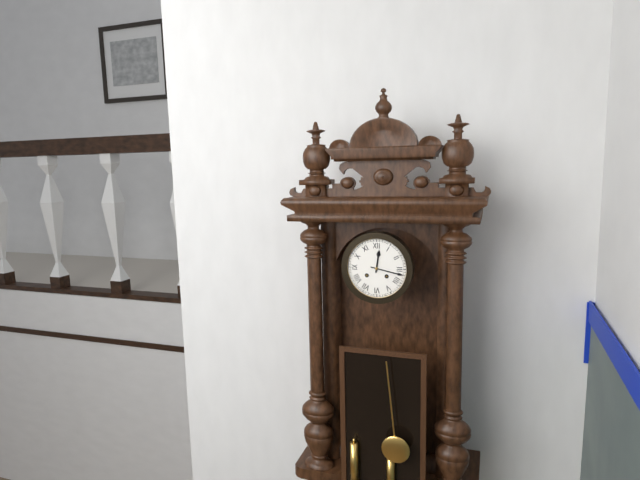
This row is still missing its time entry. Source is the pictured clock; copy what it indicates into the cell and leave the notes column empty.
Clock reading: 12:17
